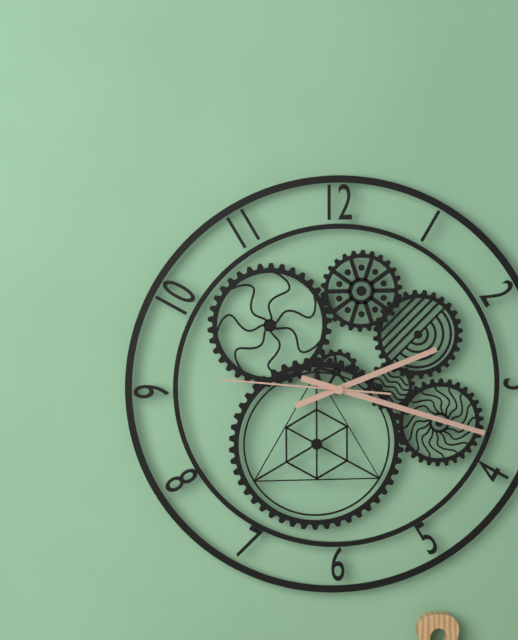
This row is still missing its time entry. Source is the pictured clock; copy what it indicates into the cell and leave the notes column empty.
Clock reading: 2:18:46
